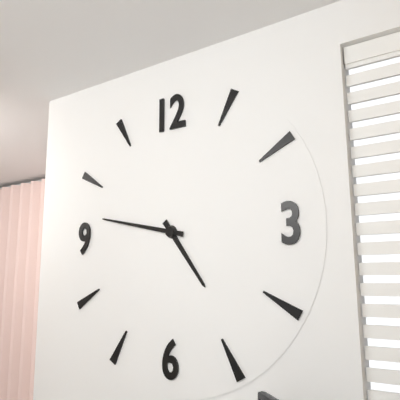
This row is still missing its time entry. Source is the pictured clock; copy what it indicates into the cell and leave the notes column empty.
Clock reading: 4:47
